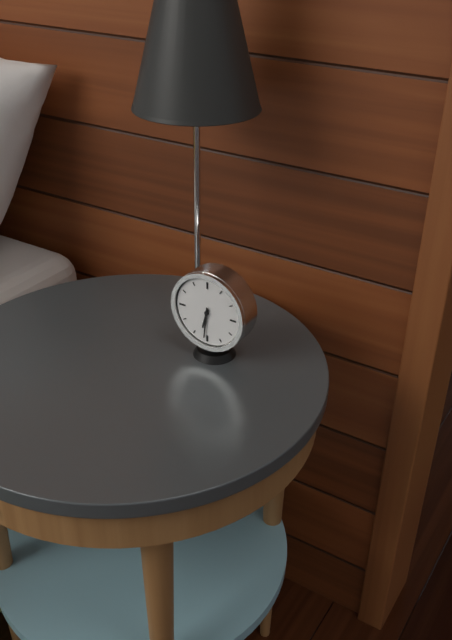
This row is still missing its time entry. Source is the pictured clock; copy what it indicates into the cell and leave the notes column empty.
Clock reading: 6:31
